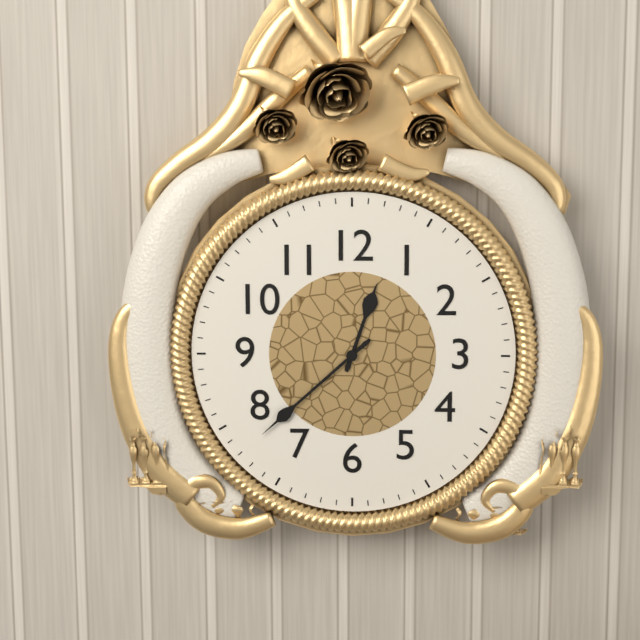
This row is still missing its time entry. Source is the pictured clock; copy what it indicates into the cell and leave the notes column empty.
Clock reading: 12:38
